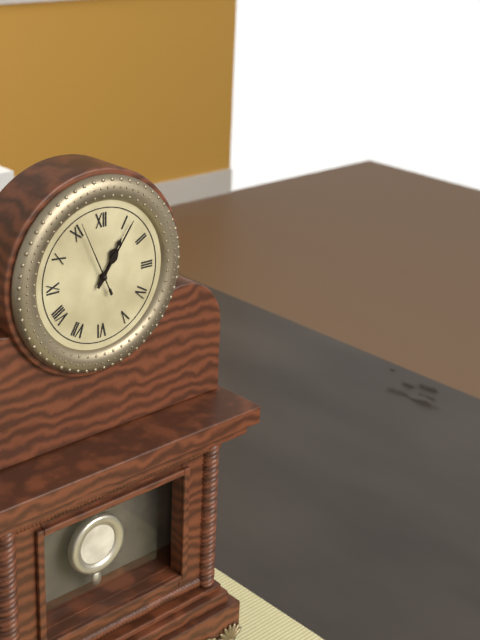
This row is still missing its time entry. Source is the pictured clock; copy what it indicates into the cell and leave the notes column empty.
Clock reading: 1:06:56
